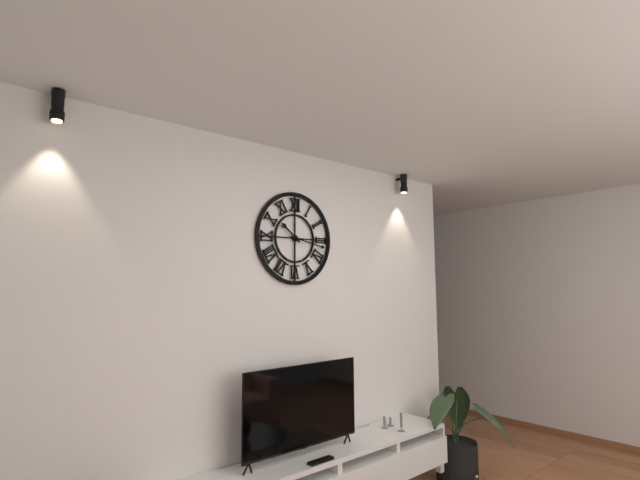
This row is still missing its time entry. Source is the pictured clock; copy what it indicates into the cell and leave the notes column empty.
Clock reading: 10:17
